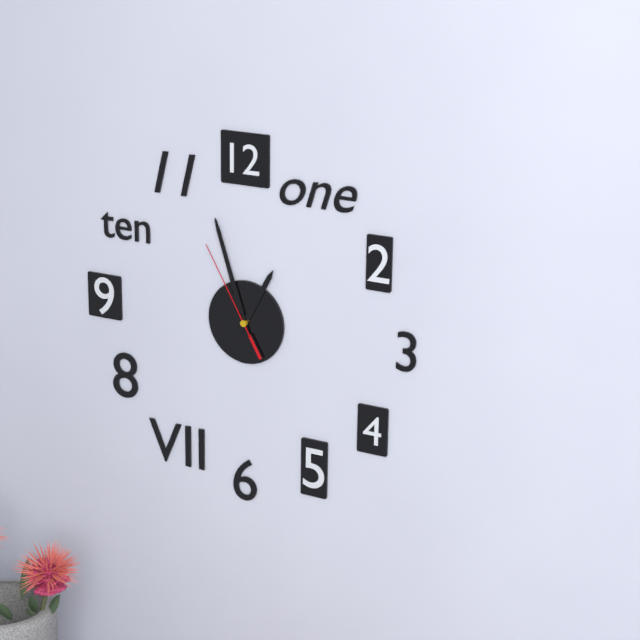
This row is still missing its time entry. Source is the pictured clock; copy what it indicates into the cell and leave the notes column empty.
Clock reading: 12:57:55
